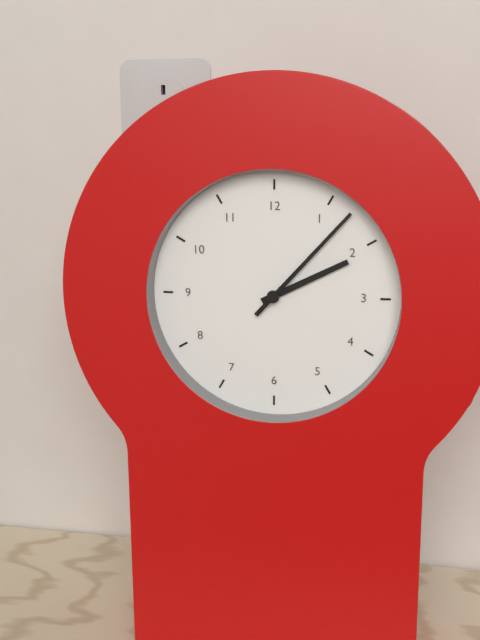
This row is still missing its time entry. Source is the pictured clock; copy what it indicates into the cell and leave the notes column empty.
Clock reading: 2:07
